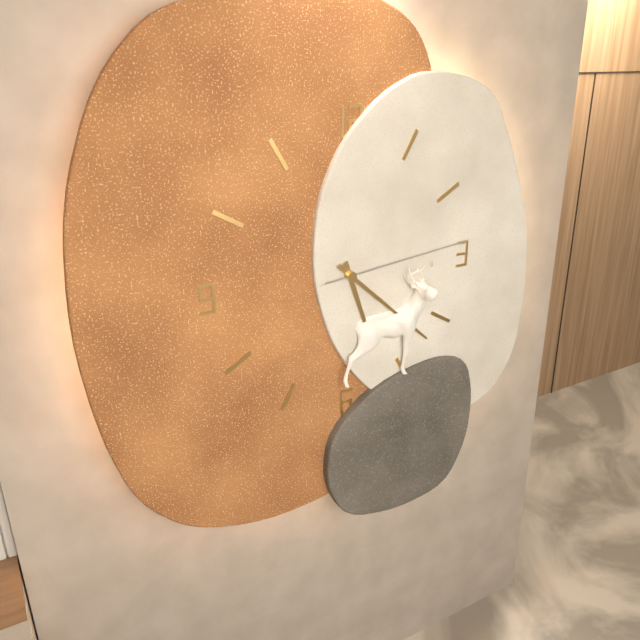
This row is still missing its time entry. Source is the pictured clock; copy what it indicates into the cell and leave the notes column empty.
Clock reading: 5:22:14
